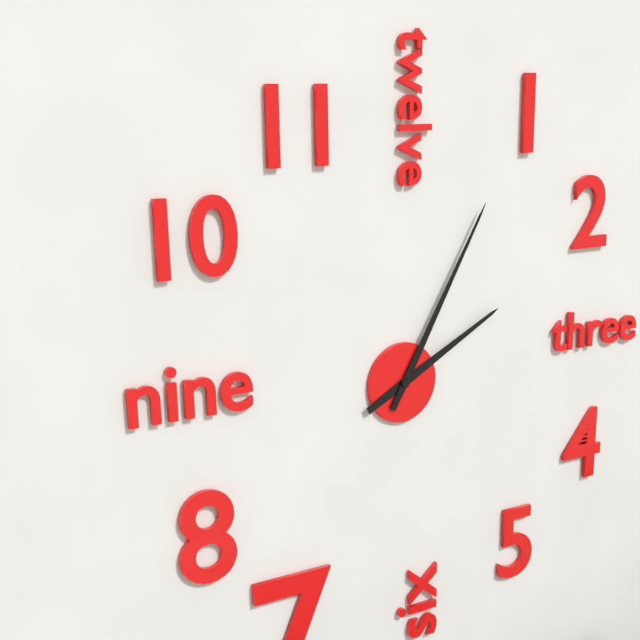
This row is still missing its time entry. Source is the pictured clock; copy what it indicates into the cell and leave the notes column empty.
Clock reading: 2:05
